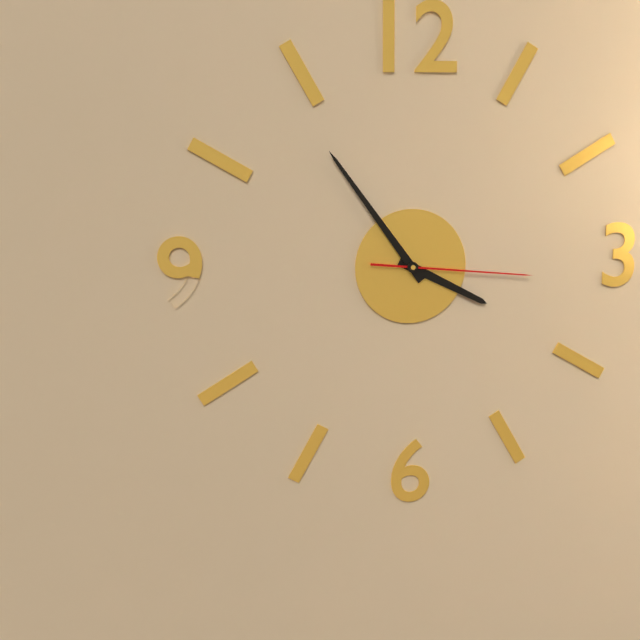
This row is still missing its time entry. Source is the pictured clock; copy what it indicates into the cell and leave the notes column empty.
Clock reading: 3:54:16
